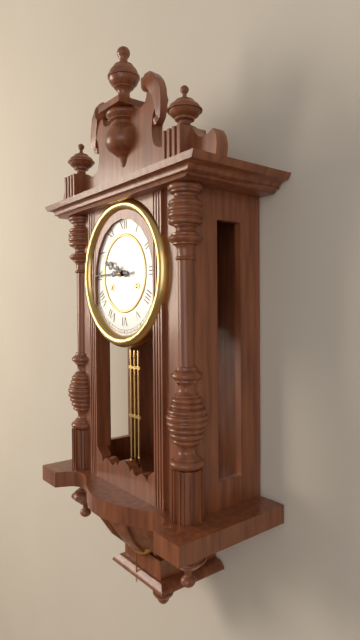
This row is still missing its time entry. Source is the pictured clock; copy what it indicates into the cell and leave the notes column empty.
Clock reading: 9:45
